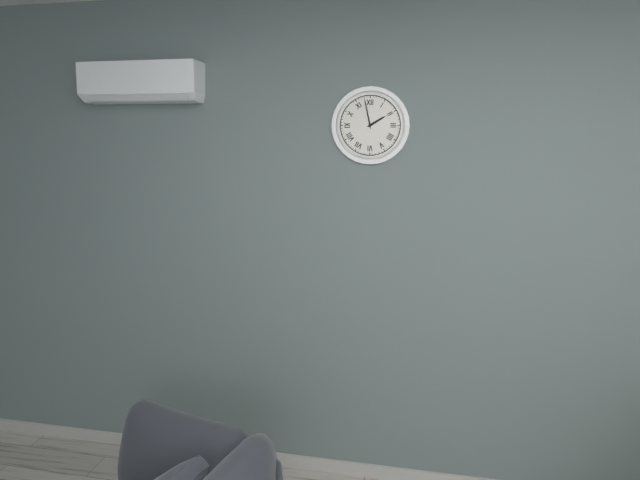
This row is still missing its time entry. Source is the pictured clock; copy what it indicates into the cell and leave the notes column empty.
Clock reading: 1:58
